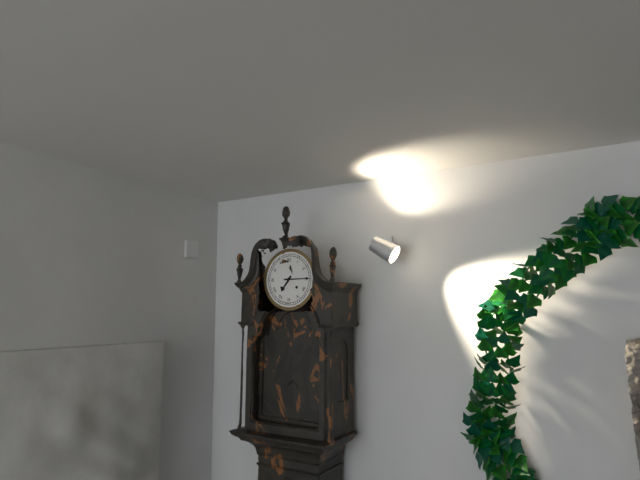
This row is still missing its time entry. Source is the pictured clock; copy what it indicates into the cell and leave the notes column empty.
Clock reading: 7:15
